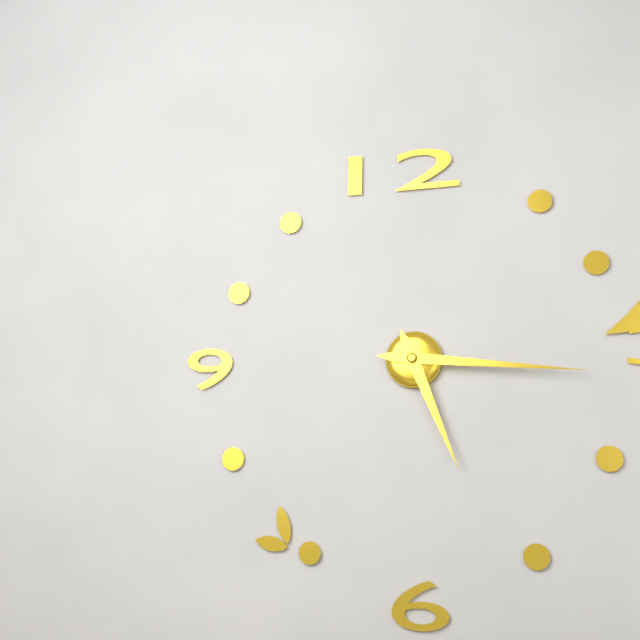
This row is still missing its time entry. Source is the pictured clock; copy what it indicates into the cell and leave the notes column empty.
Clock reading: 5:16
